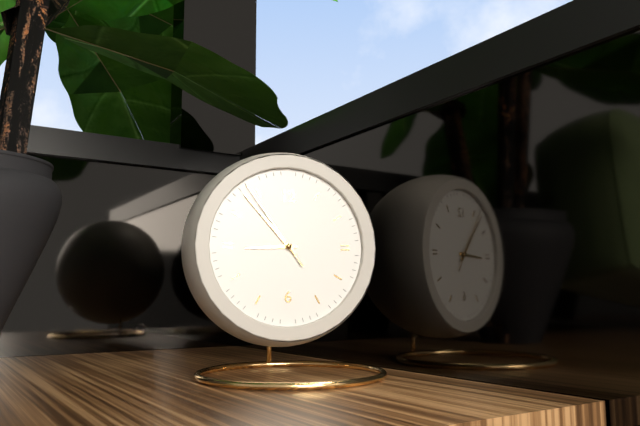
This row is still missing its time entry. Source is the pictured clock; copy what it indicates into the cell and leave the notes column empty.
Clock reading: 8:53:54
